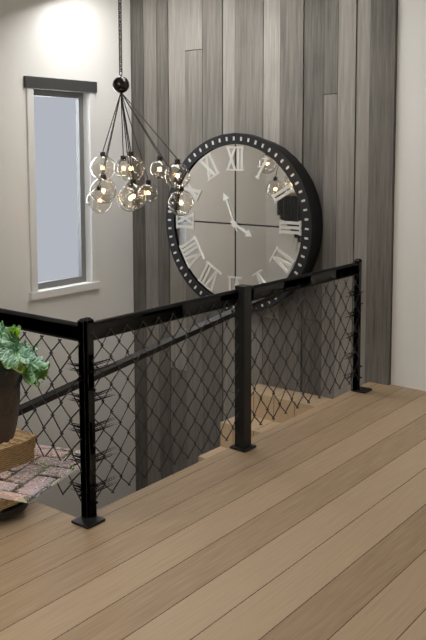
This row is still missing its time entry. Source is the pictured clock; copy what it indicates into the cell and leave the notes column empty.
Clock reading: 3:56
